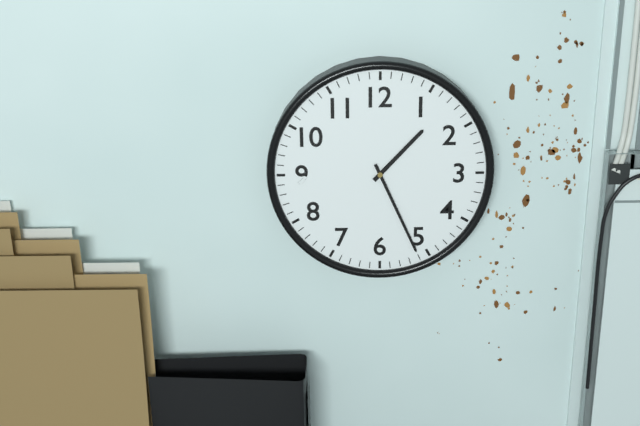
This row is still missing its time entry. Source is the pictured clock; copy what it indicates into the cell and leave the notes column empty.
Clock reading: 1:26
